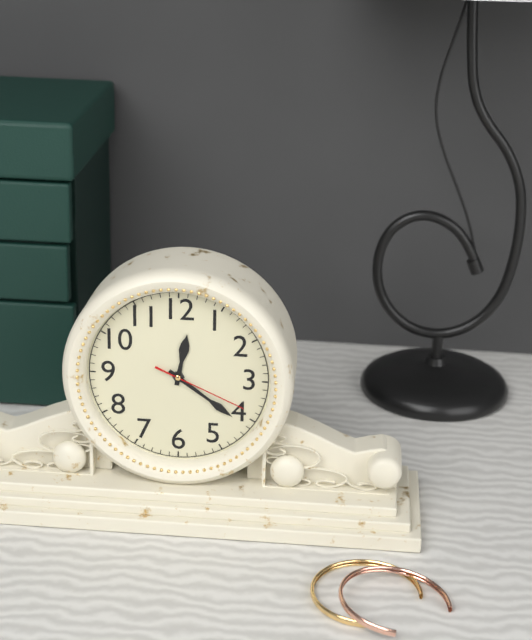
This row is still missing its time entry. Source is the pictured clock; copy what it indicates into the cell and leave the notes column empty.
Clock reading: 12:21:19
